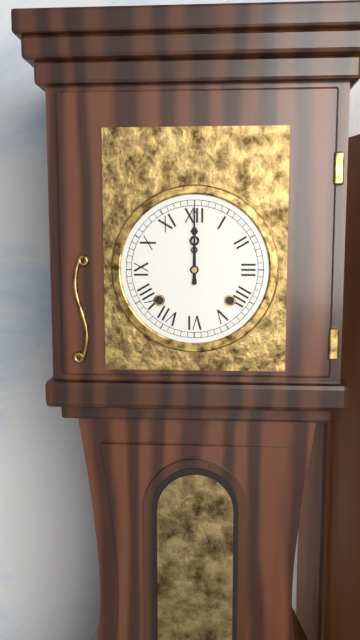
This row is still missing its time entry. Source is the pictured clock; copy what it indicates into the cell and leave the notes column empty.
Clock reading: 12:00
